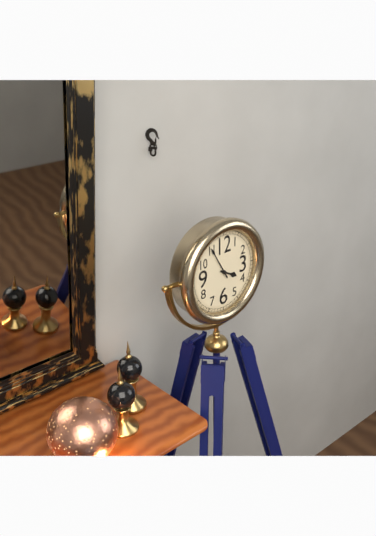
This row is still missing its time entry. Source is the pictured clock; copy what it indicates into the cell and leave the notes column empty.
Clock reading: 3:55
